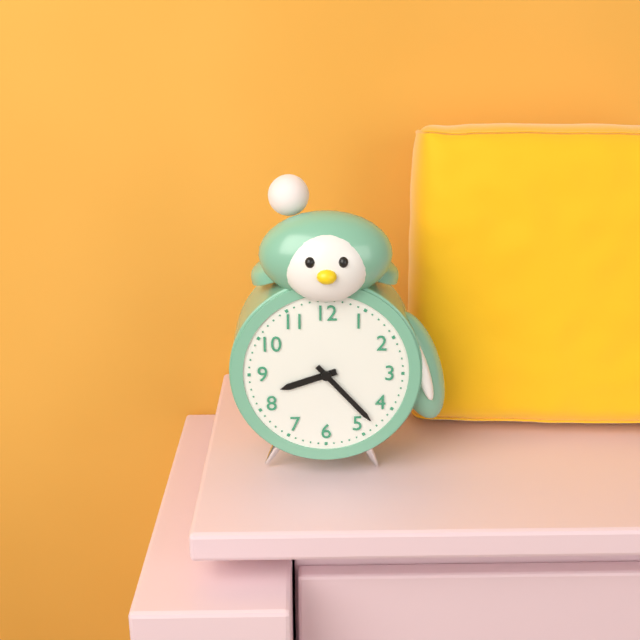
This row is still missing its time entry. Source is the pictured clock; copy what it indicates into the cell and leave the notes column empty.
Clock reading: 8:23
